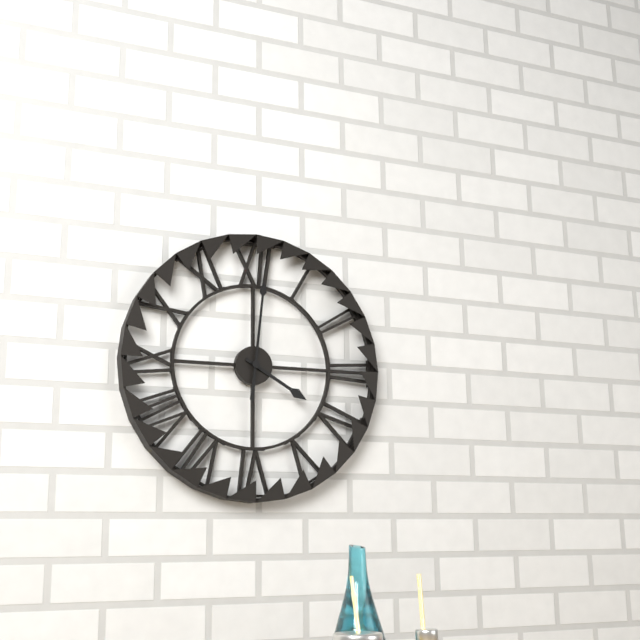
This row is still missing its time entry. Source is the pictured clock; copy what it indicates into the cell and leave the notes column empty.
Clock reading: 4:01
